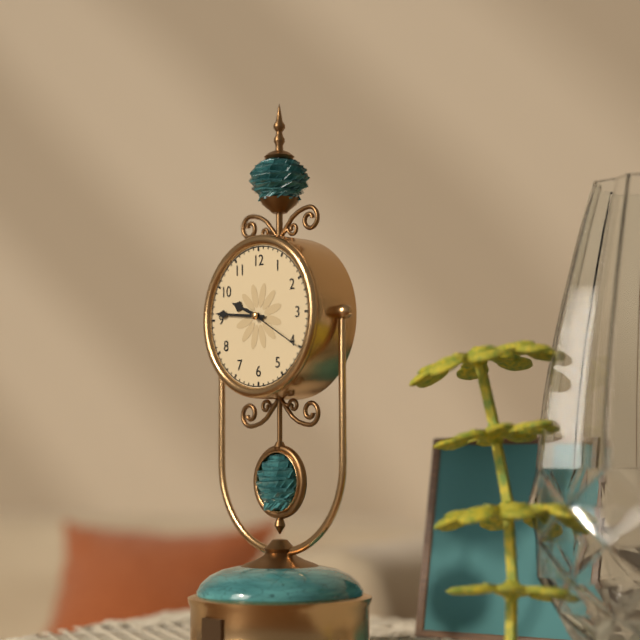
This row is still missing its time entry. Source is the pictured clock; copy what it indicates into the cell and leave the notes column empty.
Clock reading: 9:46:20
